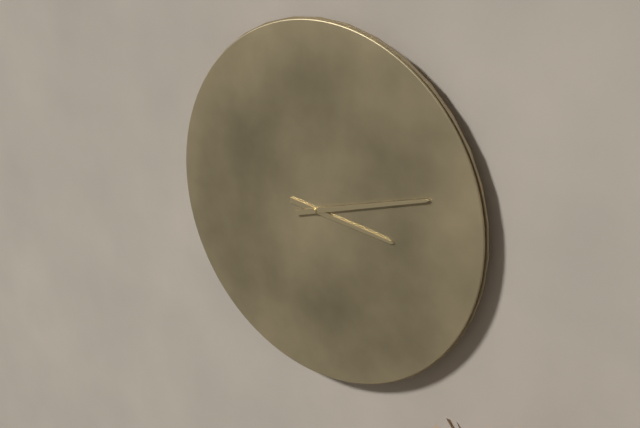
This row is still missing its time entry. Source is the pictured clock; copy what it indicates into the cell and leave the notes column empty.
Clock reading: 3:12
